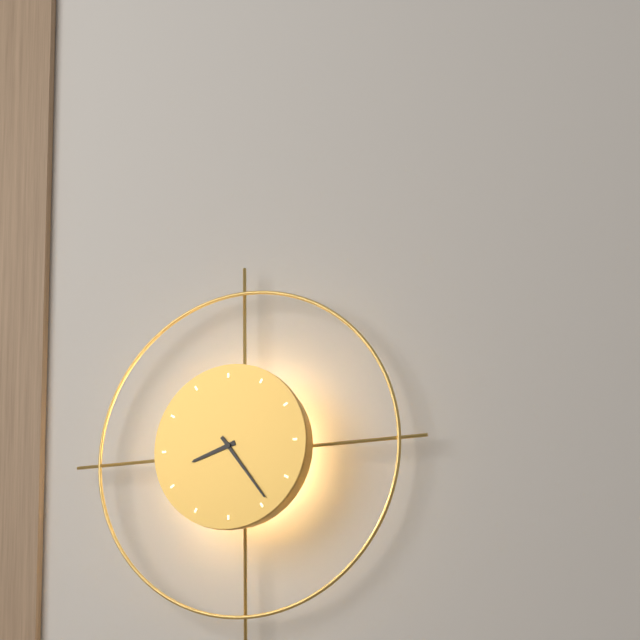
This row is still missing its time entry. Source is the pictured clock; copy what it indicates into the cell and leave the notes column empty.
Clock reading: 8:24
